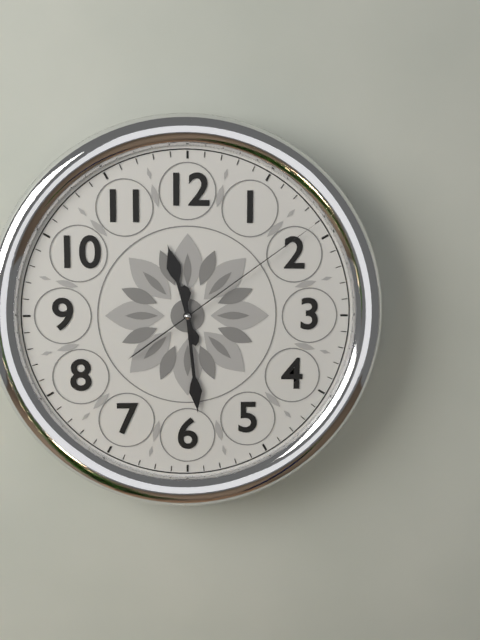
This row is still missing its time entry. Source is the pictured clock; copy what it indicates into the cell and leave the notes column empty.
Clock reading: 11:29:09
